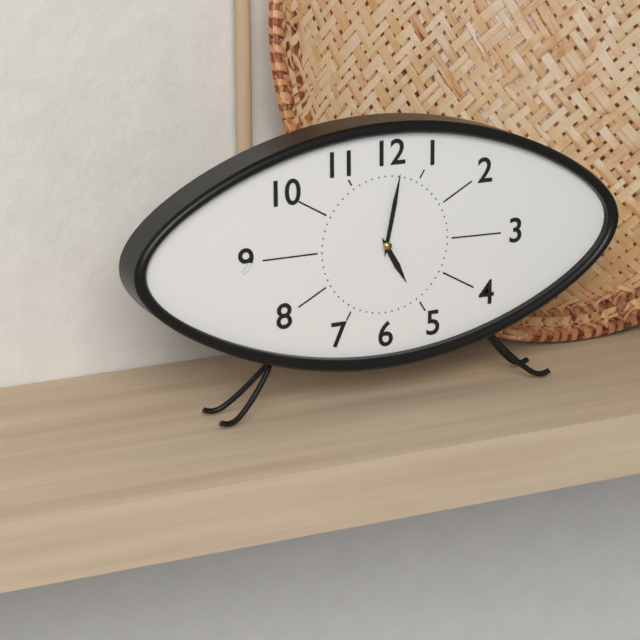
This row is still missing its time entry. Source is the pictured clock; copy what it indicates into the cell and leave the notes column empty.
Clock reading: 5:02
